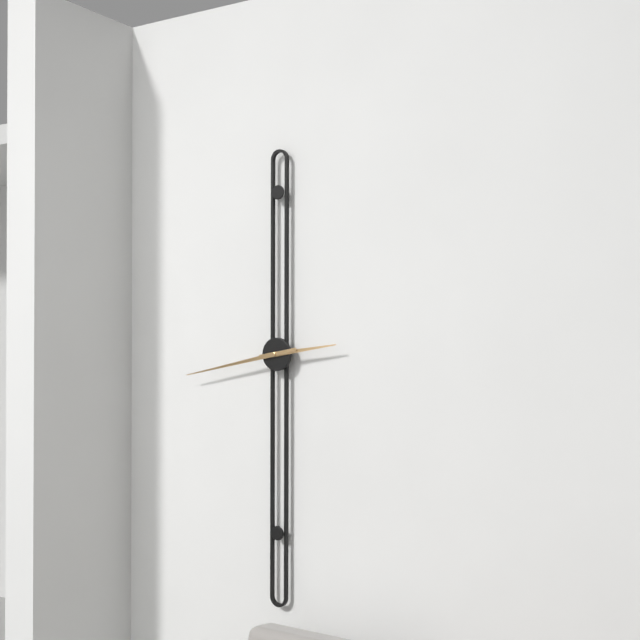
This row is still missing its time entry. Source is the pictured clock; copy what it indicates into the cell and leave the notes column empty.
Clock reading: 2:43
